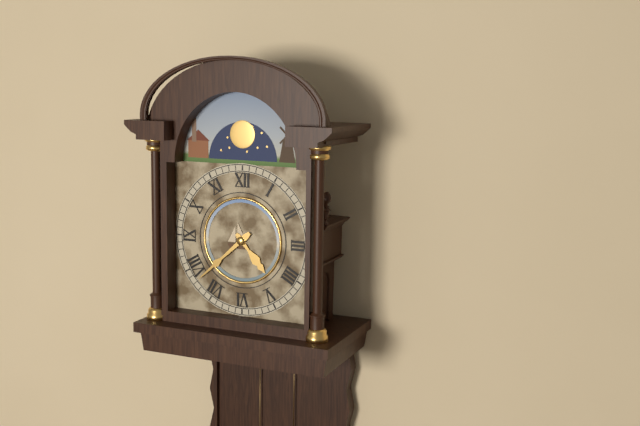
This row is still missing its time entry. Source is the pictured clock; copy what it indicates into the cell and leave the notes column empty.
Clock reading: 4:38
